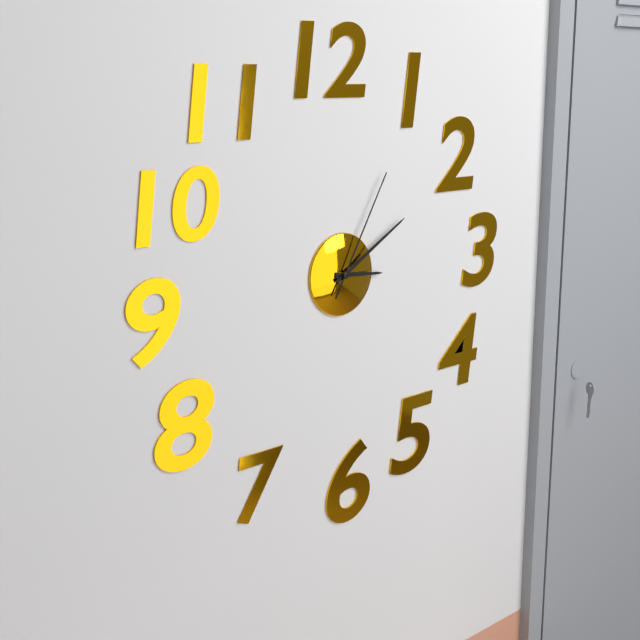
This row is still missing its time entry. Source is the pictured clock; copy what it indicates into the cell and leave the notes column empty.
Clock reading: 3:10:05
